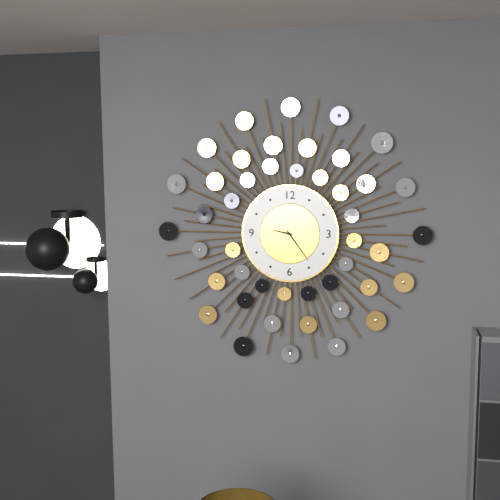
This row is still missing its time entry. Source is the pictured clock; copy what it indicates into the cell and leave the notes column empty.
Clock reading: 9:24
